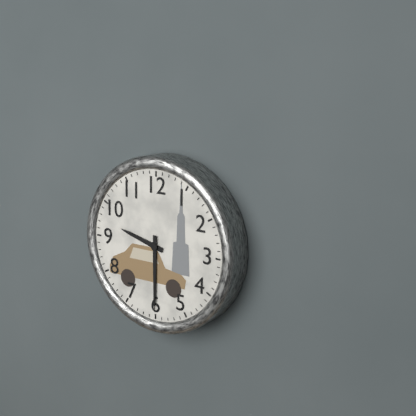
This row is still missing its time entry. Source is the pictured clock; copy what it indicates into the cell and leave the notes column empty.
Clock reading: 9:30
